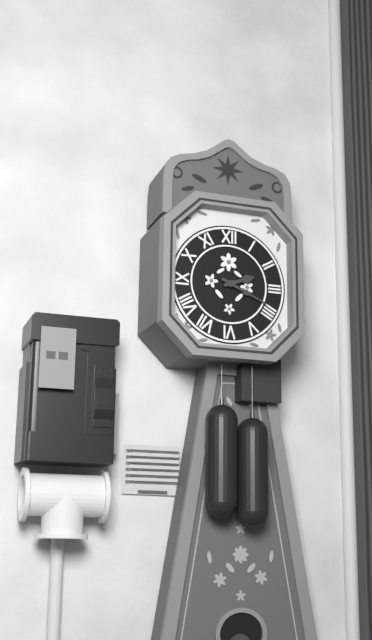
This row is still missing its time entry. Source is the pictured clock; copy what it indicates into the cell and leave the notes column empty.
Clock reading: 2:19
